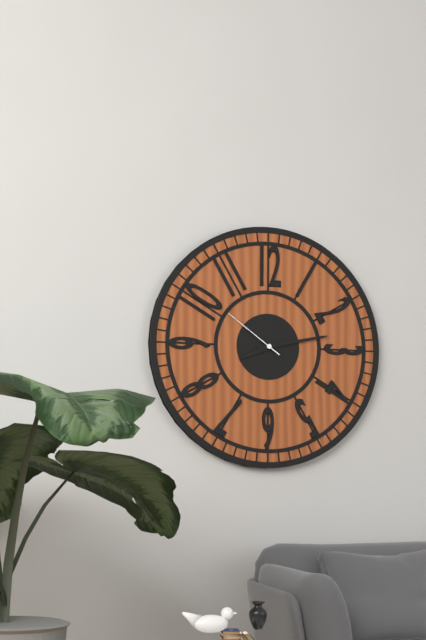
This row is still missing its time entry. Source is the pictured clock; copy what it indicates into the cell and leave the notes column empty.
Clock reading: 8:13:51
